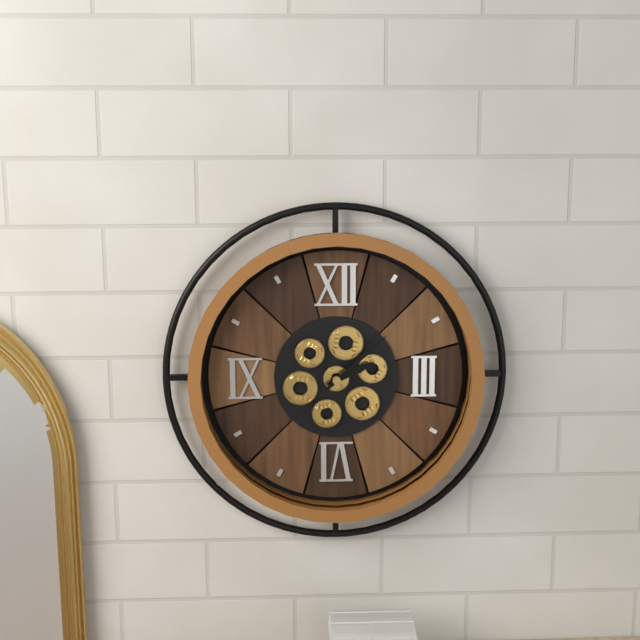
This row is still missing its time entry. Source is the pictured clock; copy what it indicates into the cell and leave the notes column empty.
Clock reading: 2:08
